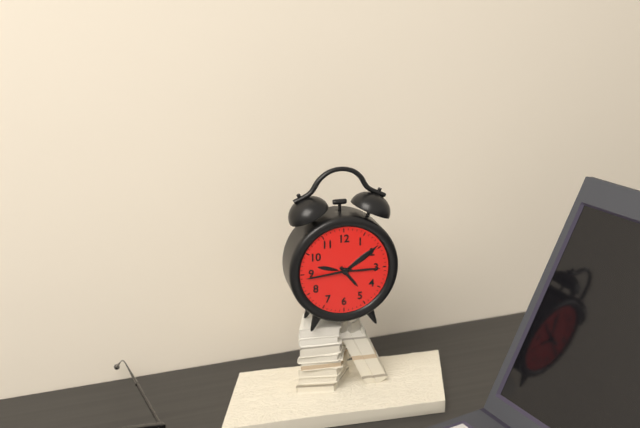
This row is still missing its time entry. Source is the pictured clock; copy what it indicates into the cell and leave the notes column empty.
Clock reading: 4:44
